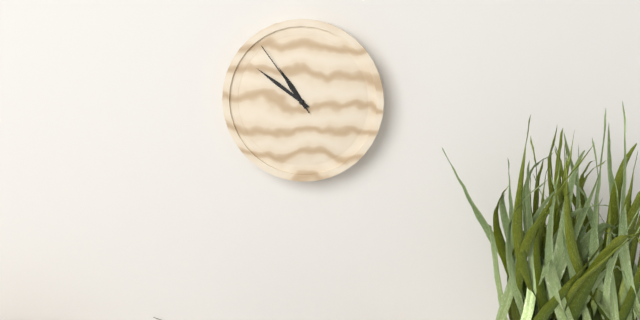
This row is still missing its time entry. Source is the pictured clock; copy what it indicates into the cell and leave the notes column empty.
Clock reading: 10:51:54
